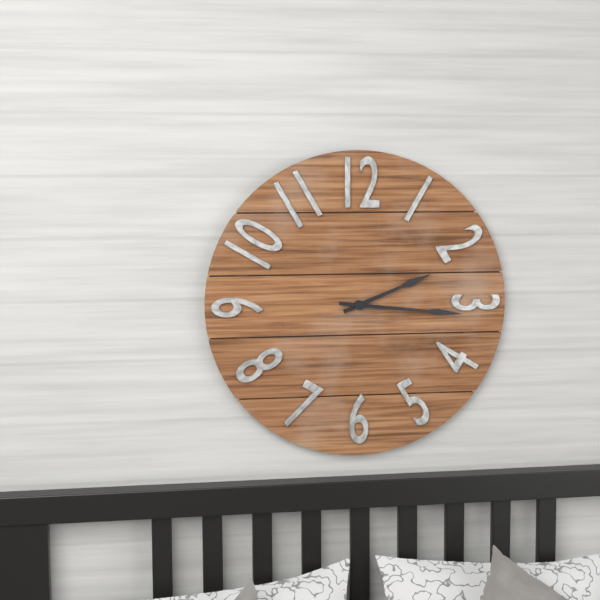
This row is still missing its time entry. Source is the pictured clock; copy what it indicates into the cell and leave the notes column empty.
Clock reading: 2:16
